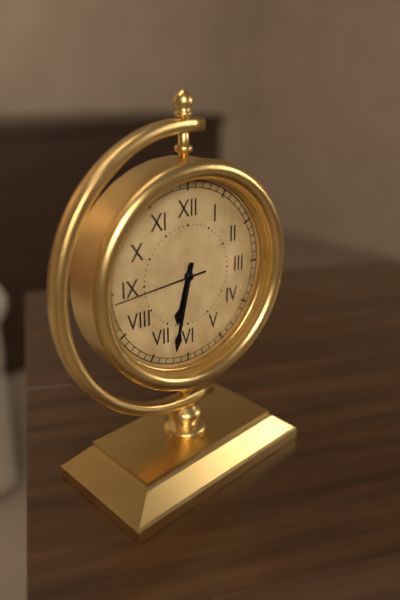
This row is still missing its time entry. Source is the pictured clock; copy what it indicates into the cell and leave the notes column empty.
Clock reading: 6:32:44
